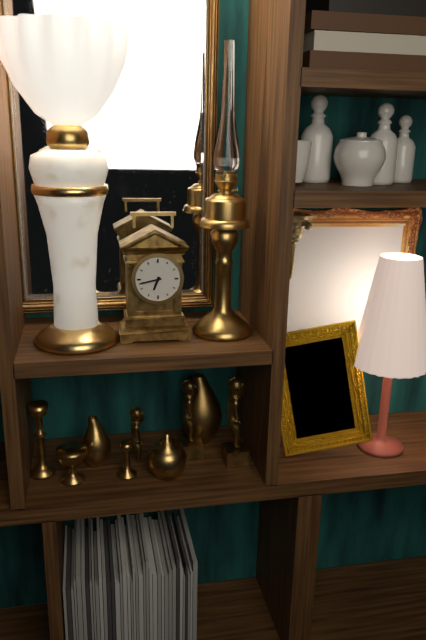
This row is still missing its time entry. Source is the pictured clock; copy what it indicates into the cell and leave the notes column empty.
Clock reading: 6:43
